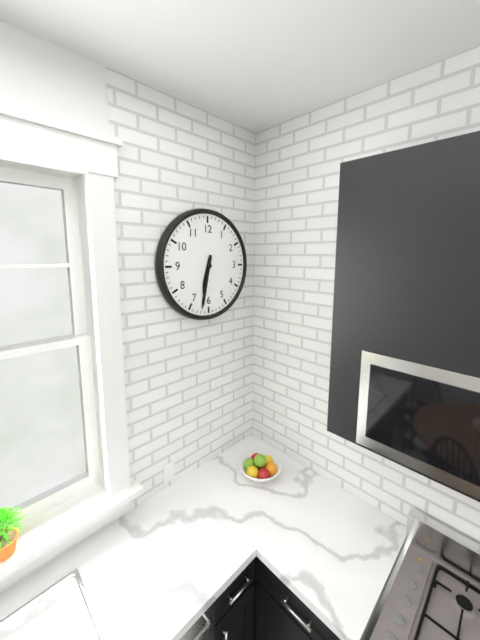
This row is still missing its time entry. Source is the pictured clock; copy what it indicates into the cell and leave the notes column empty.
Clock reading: 6:32
